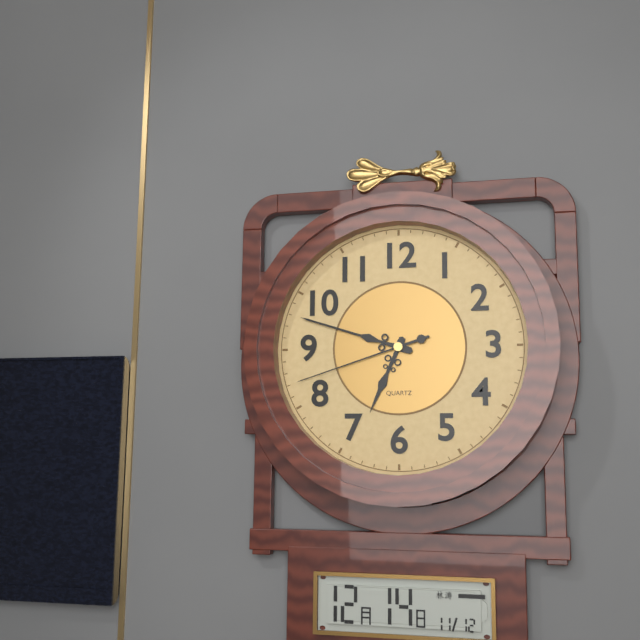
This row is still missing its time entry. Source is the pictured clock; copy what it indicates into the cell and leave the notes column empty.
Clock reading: 6:48:42
